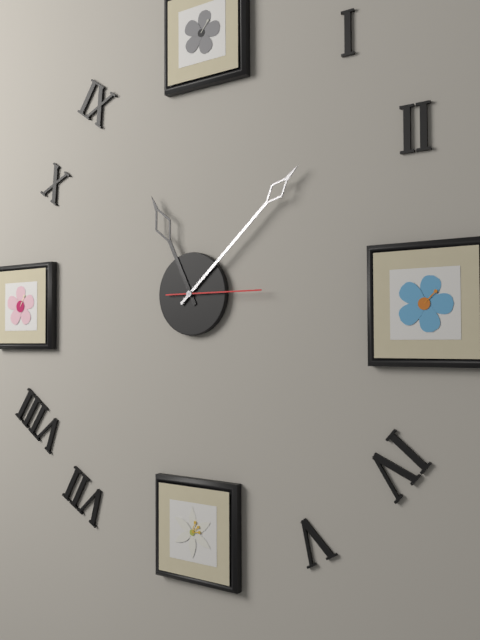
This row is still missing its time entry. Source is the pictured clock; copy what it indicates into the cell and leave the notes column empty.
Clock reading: 11:08:15
